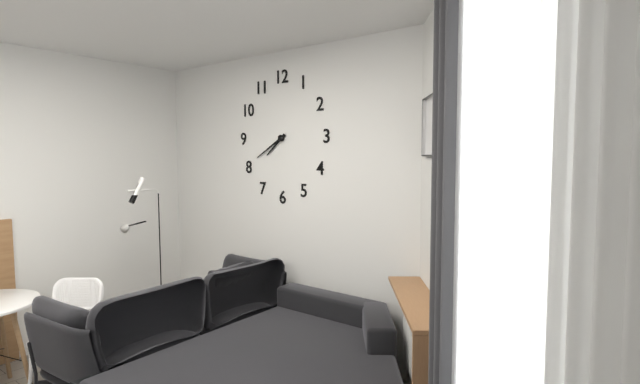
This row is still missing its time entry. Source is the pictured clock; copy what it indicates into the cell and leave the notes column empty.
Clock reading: 7:40
